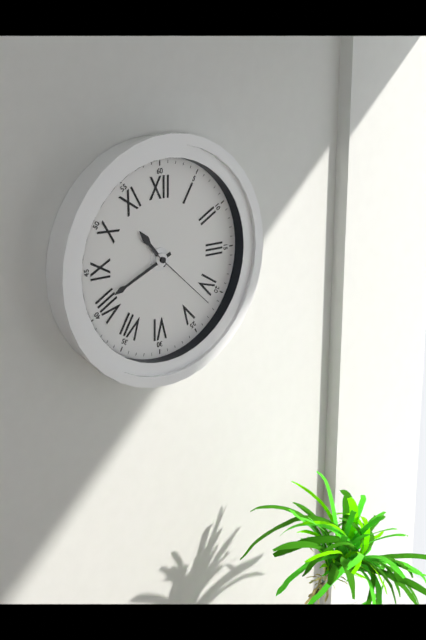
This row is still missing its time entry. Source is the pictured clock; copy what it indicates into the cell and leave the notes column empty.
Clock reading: 10:41:22
